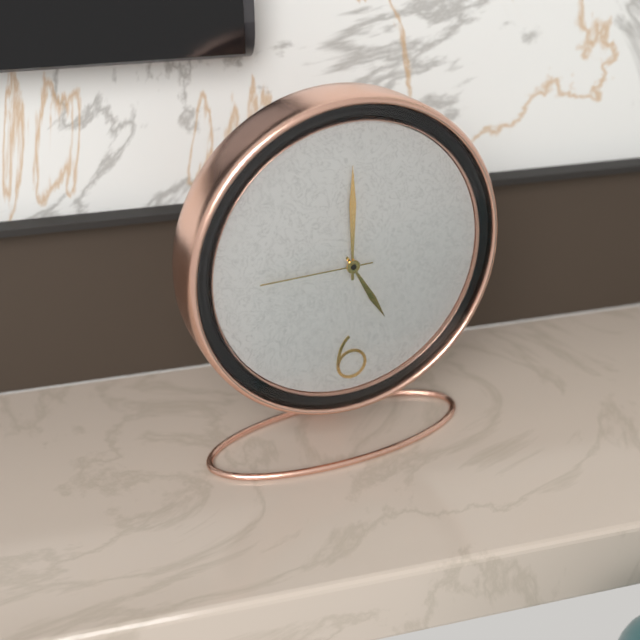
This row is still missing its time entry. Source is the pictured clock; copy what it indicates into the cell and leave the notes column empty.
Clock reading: 5:00:45
